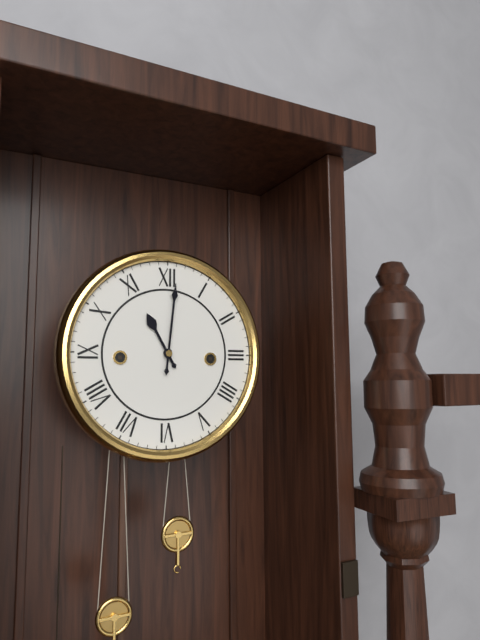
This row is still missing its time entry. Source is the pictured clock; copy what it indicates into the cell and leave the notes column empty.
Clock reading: 11:01
